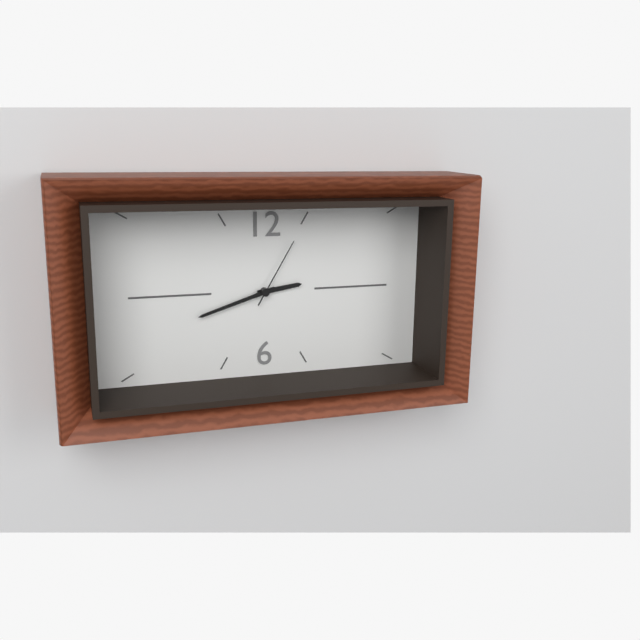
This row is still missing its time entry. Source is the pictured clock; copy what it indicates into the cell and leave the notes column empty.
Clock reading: 2:42:05
